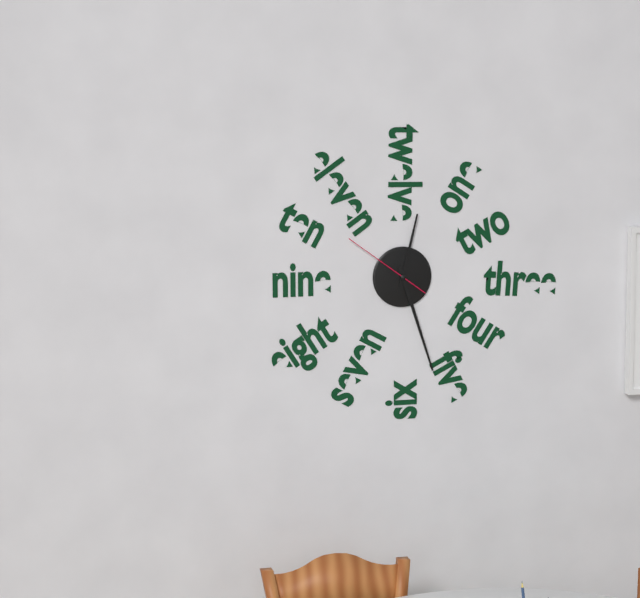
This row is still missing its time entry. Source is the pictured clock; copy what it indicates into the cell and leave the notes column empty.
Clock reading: 12:27:51
